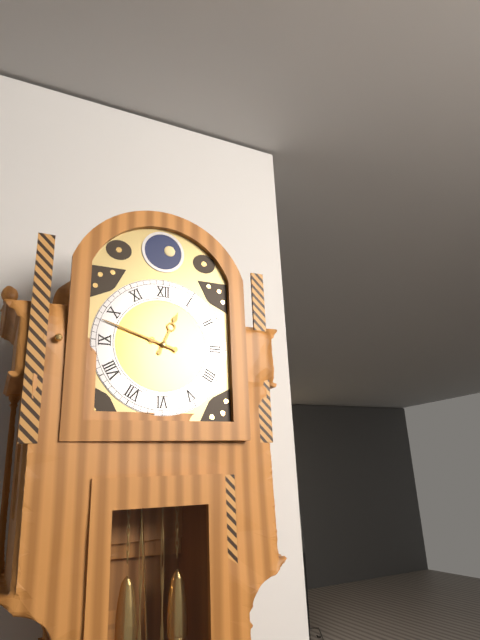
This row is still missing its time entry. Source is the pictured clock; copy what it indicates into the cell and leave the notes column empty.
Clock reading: 12:48
